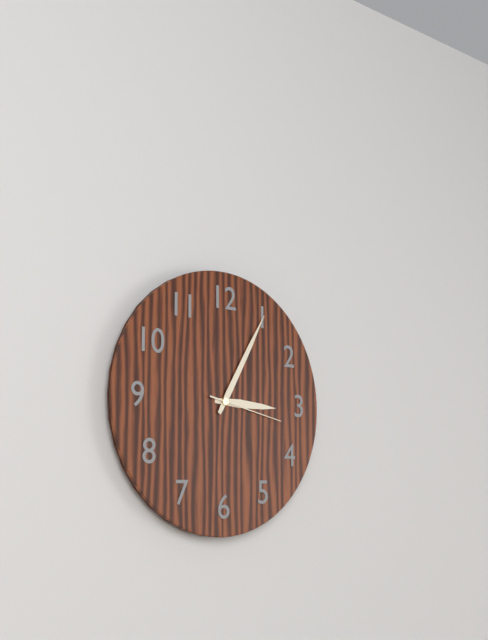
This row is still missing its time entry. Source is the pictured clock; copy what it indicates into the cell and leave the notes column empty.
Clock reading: 3:05:17
